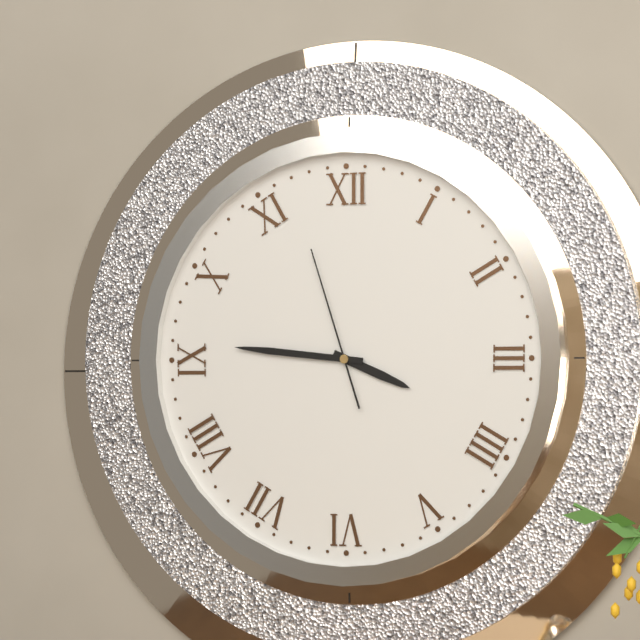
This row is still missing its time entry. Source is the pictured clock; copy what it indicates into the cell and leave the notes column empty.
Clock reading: 3:46:57
